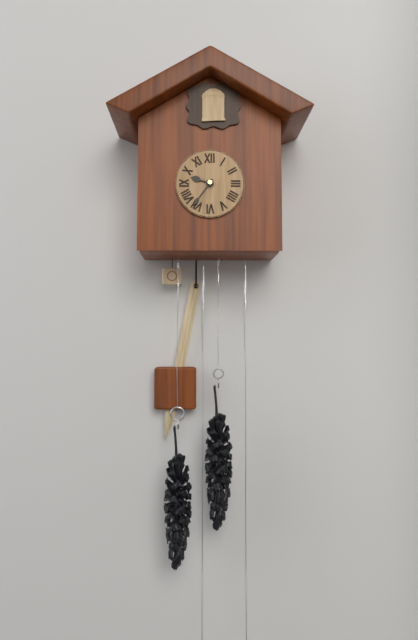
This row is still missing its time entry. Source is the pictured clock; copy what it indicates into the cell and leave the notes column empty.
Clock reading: 9:36
